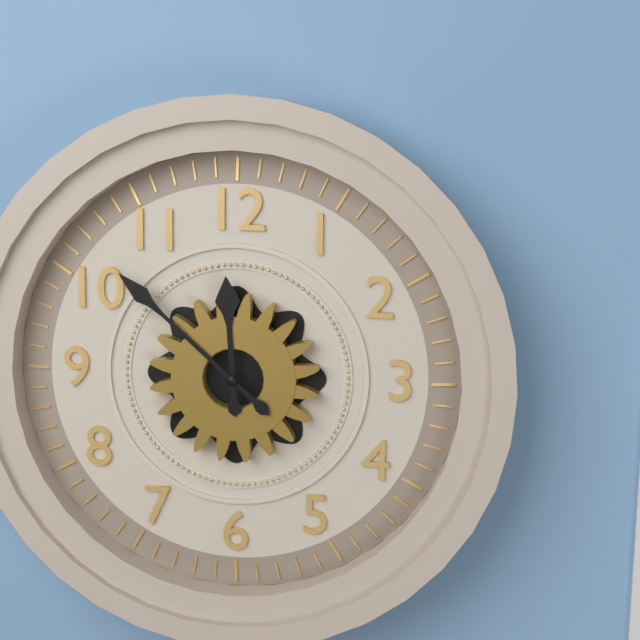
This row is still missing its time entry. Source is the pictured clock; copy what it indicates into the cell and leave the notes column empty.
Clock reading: 11:52
